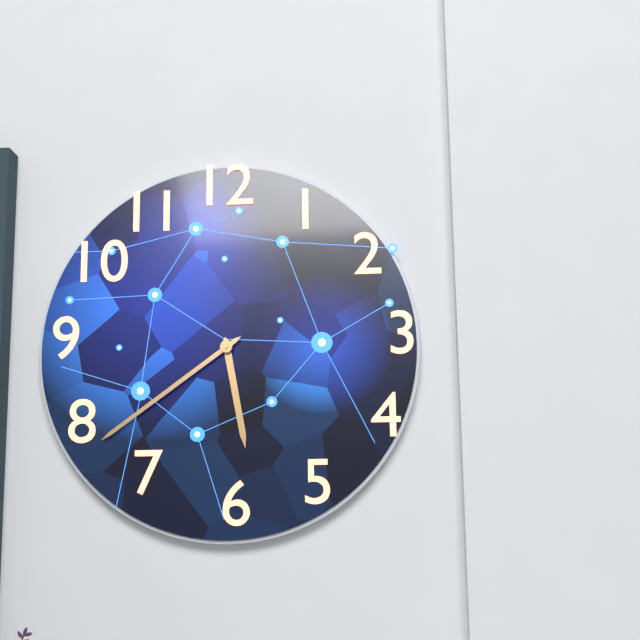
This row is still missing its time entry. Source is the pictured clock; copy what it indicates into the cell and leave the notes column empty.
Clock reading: 5:39
